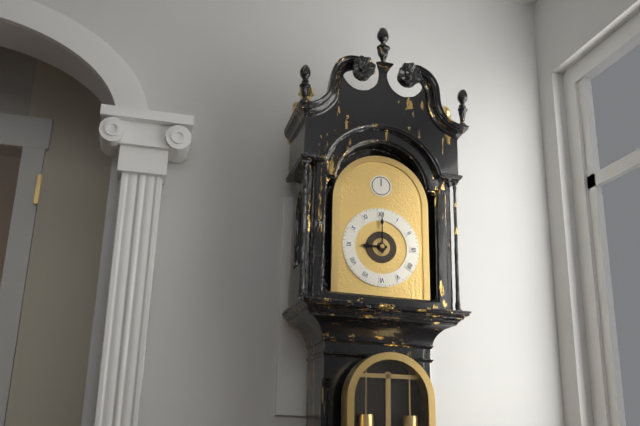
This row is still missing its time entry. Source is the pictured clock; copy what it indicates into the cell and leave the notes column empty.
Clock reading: 9:00
